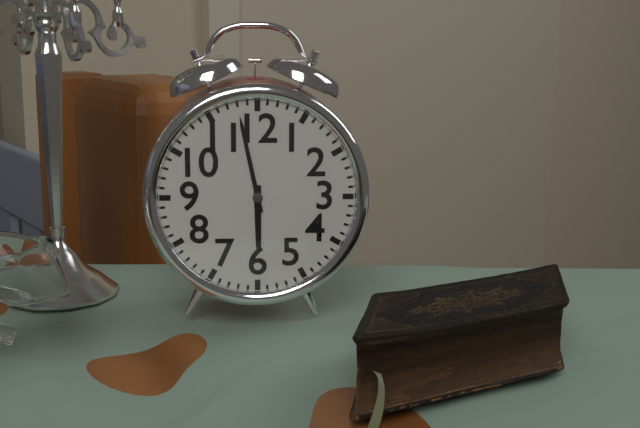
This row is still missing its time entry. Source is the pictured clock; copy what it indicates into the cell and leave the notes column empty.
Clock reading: 5:58
